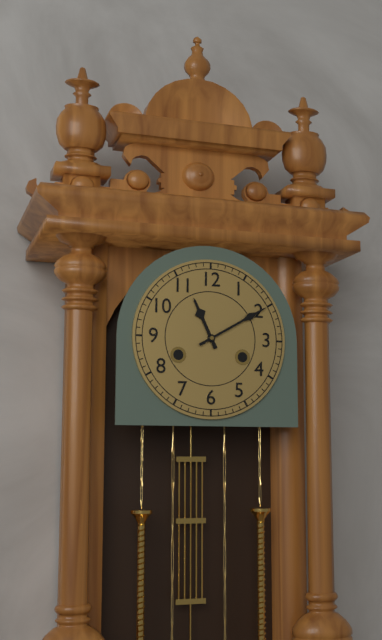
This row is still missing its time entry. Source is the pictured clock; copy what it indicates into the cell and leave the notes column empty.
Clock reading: 11:10
